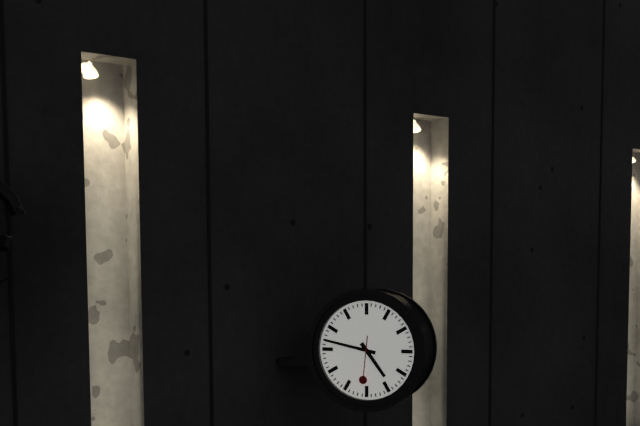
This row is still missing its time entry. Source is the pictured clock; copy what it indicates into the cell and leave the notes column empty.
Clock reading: 4:47
